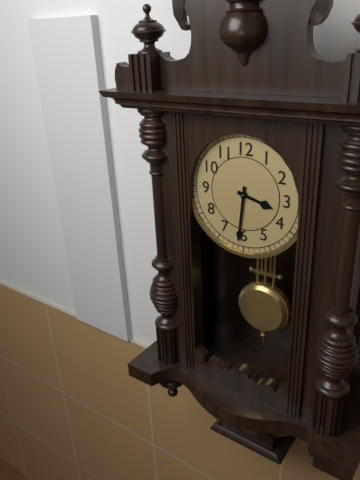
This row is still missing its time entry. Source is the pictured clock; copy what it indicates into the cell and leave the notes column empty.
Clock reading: 3:31
